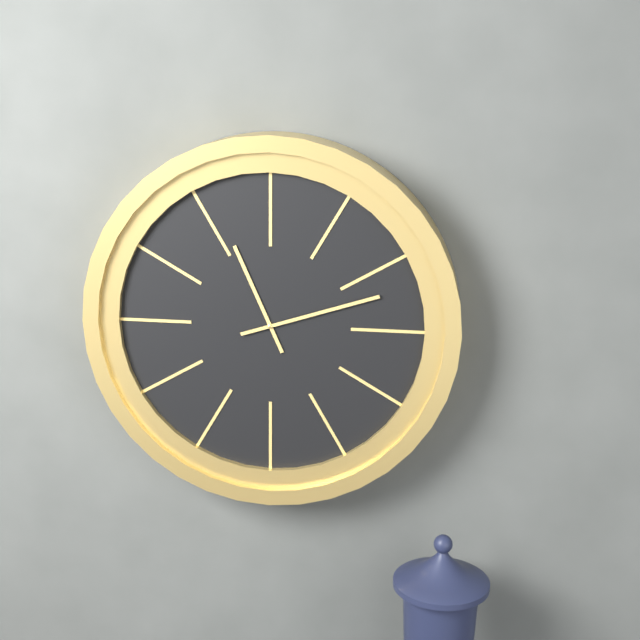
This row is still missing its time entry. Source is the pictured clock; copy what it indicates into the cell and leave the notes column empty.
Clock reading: 11:12
